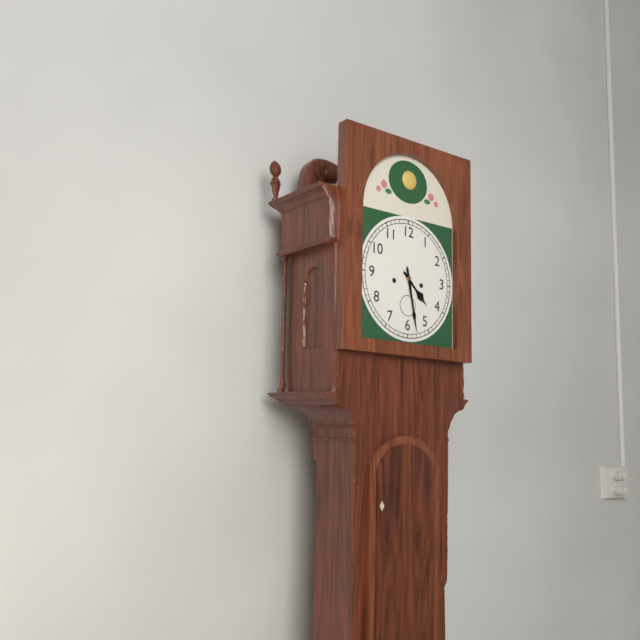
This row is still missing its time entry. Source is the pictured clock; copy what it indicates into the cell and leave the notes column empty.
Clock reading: 4:28
